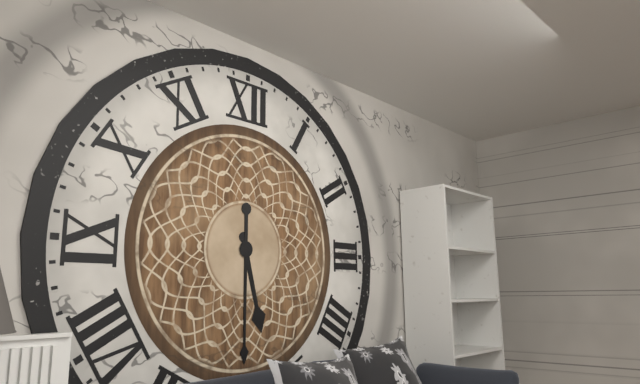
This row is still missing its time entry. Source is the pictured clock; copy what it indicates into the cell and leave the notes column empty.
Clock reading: 5:30
